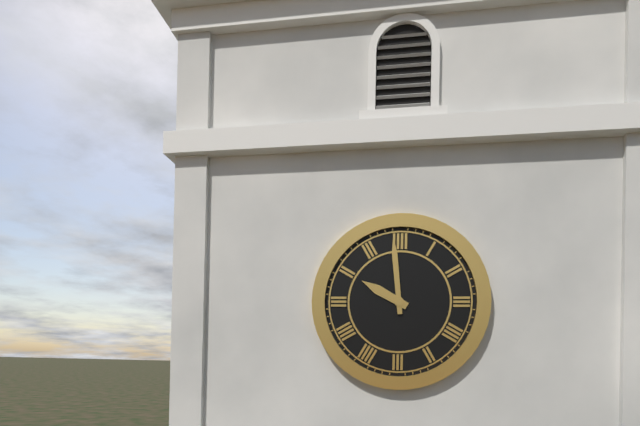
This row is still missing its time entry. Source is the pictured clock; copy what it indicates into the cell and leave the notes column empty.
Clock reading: 9:59
